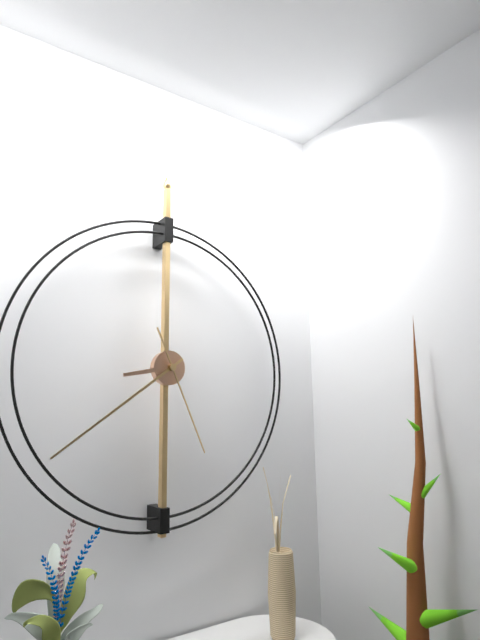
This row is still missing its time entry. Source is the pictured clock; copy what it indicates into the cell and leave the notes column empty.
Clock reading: 8:39:26
